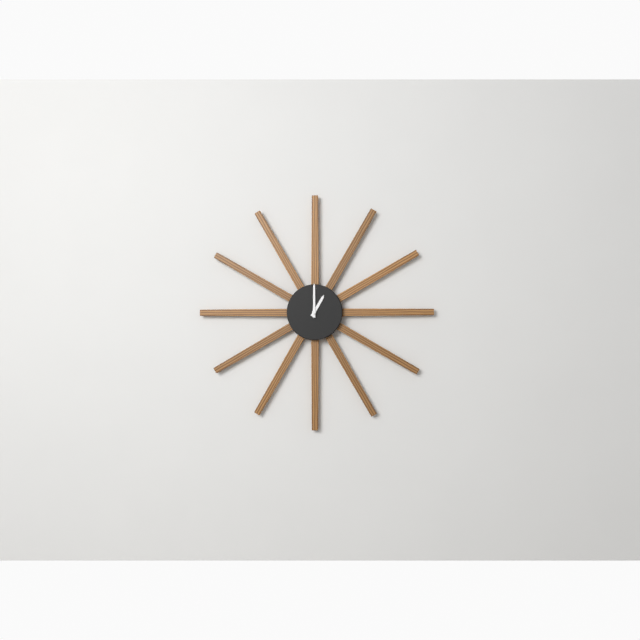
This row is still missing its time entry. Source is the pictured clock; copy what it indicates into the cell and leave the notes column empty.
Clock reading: 1:00
